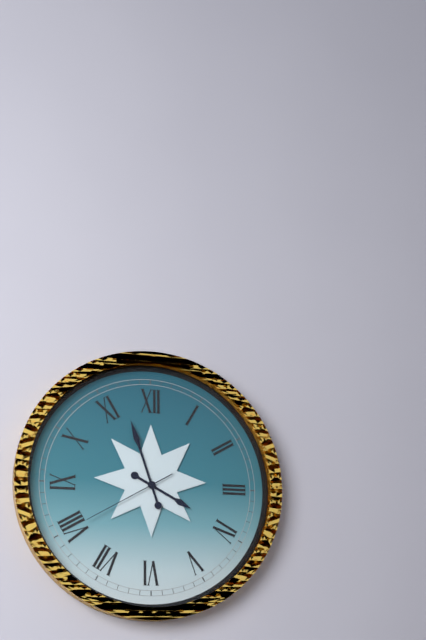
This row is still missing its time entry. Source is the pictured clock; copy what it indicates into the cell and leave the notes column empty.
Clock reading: 3:57:40
